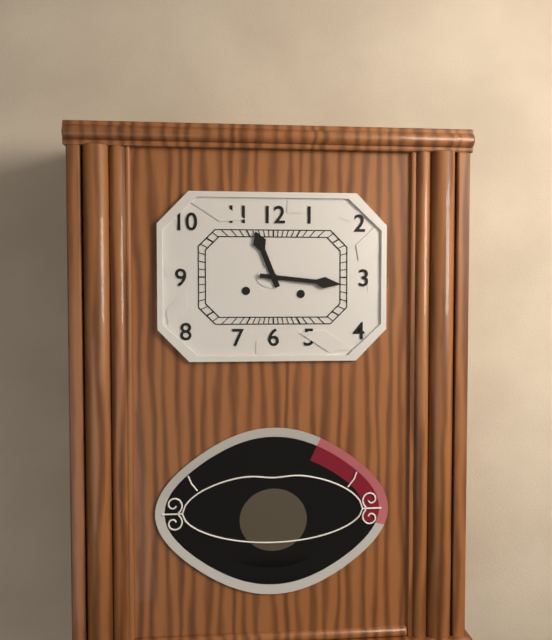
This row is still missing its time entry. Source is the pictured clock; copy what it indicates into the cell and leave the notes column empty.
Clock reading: 11:16
